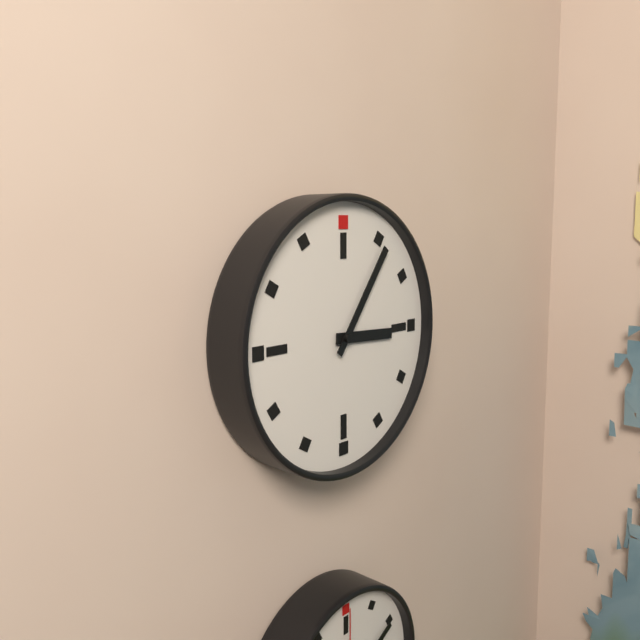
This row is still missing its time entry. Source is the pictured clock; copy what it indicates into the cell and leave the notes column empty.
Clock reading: 3:06
